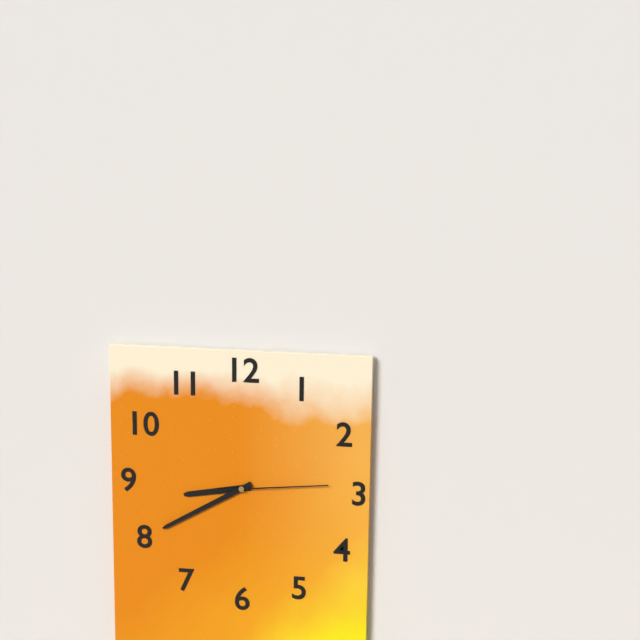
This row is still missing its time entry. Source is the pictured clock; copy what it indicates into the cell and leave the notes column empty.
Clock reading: 8:40:14
